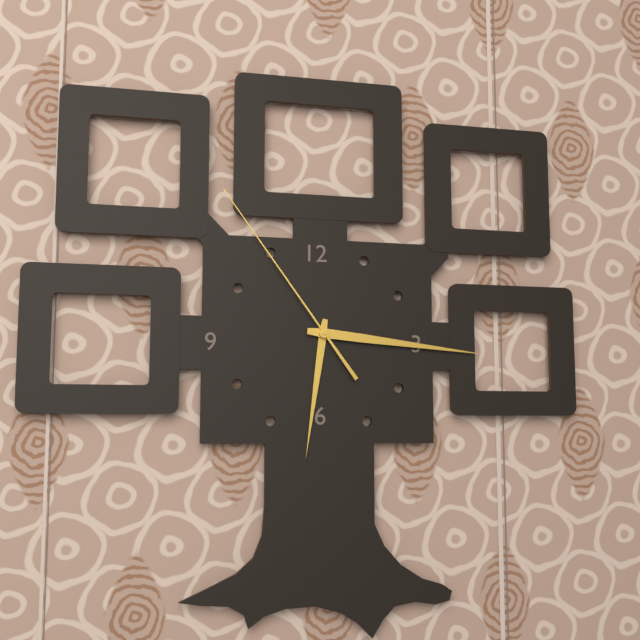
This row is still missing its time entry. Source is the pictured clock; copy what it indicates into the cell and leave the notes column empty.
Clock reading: 6:16:54
